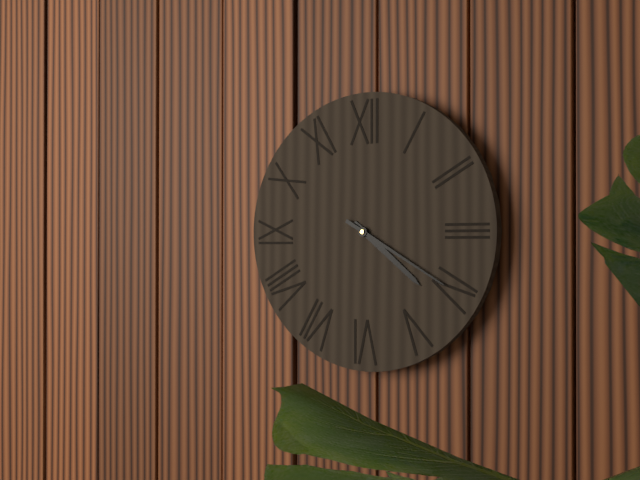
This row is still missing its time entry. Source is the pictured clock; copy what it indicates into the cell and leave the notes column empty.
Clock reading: 4:20
